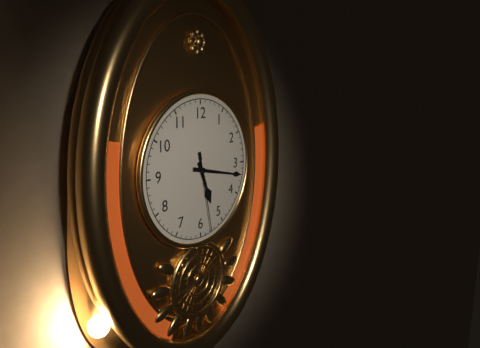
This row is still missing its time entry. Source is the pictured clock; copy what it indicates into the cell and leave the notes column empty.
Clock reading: 5:17:28
